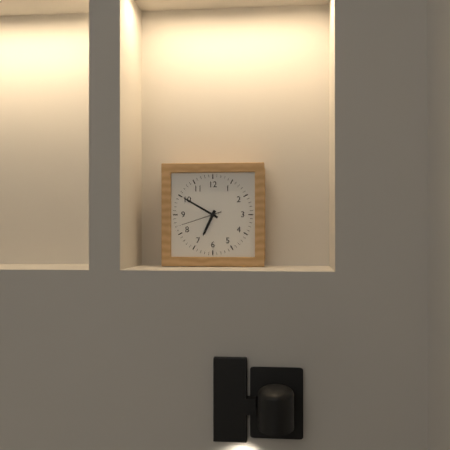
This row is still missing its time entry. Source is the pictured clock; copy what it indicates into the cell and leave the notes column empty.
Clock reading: 6:50
